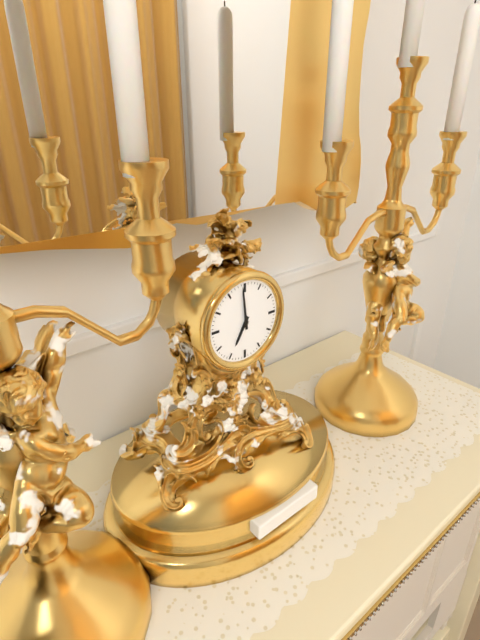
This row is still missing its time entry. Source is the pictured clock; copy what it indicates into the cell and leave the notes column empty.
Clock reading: 6:59
